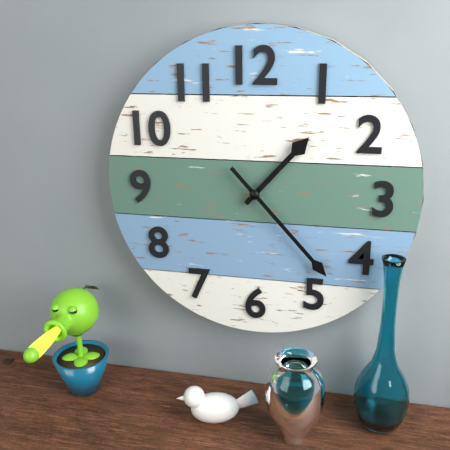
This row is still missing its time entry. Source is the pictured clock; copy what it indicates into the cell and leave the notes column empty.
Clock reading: 1:23
